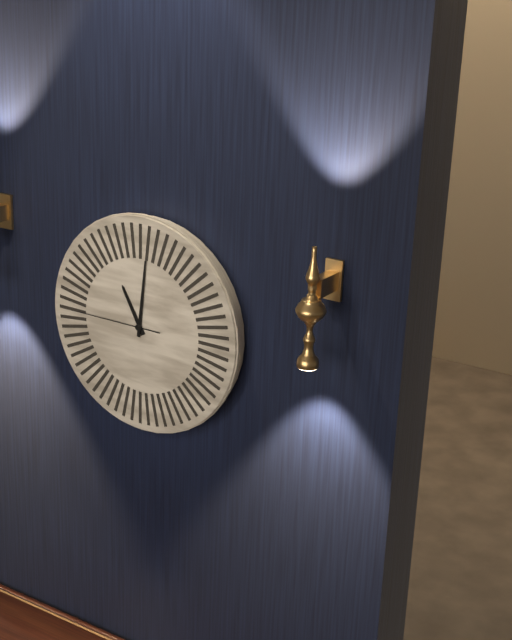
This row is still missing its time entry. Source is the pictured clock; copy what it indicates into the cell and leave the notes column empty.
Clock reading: 11:01:45
